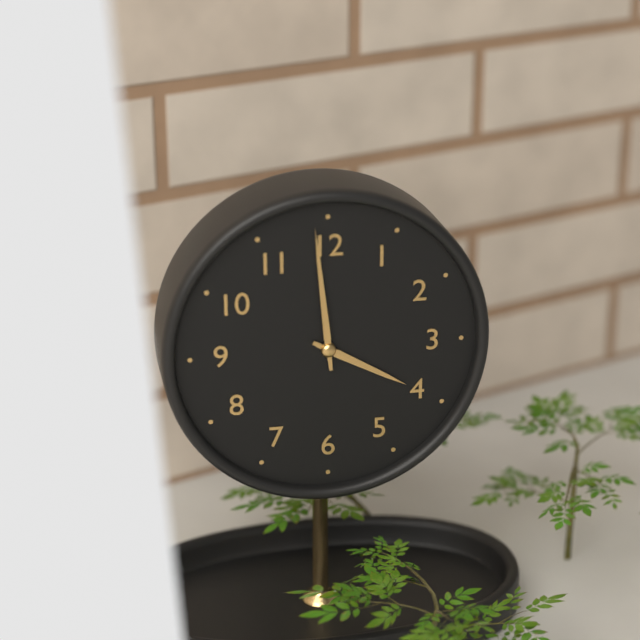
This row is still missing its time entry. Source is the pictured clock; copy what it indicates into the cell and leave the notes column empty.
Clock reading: 3:59
